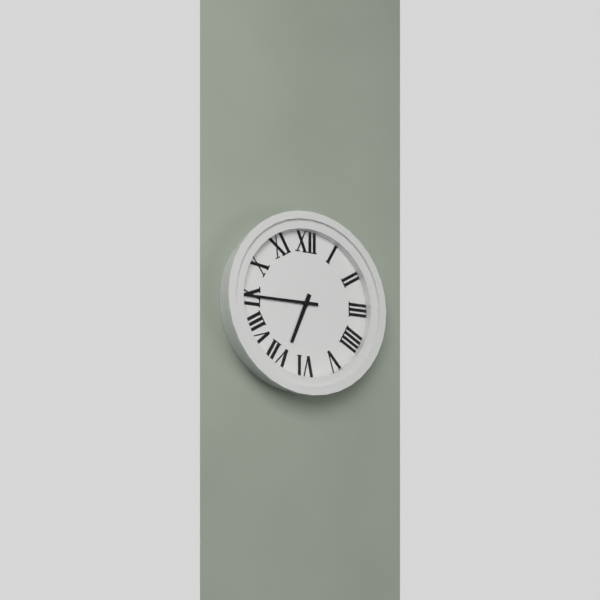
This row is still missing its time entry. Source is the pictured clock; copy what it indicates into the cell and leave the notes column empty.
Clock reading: 6:45
